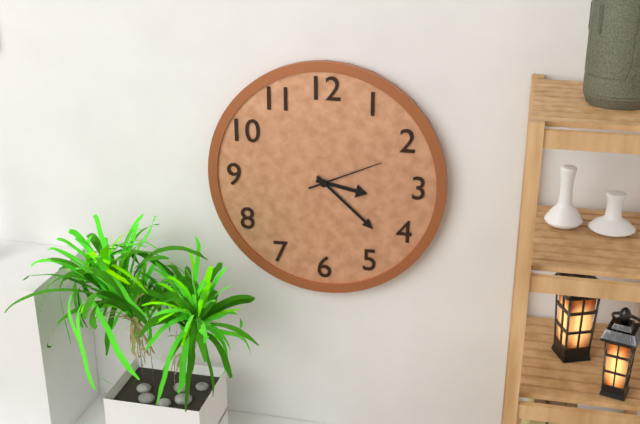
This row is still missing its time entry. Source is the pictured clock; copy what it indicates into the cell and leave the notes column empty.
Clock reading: 3:22:11
